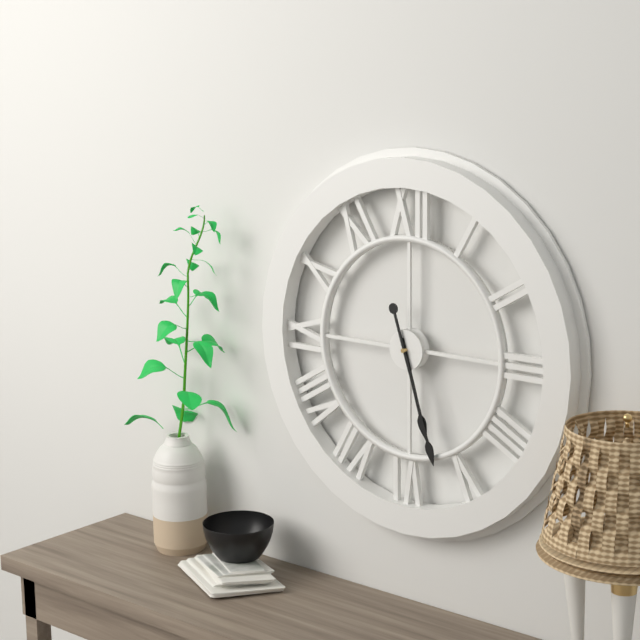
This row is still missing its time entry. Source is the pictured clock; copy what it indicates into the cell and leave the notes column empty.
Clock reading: 5:27
